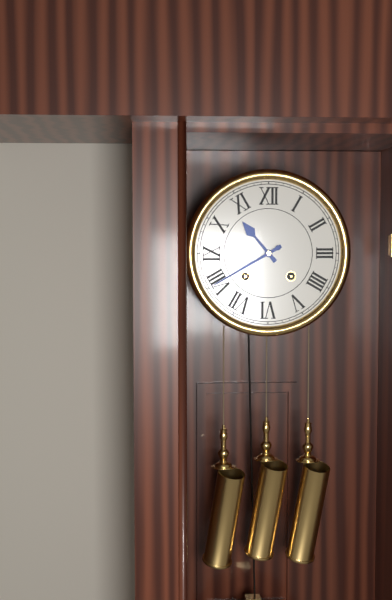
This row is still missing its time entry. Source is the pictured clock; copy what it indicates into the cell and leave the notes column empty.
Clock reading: 10:40
